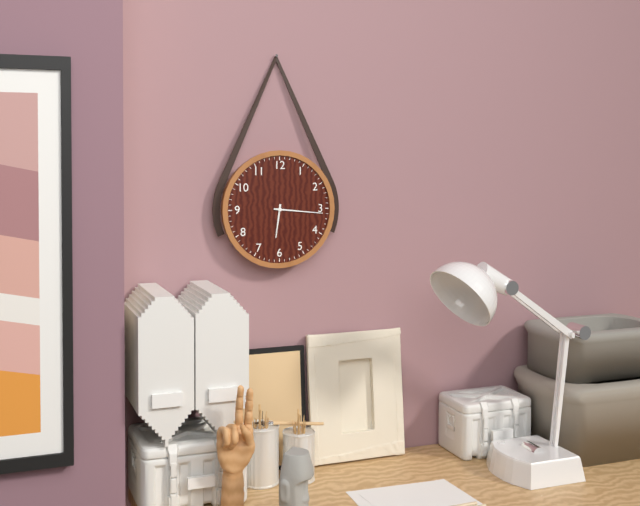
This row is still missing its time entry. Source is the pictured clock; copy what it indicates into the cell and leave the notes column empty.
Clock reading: 6:16
